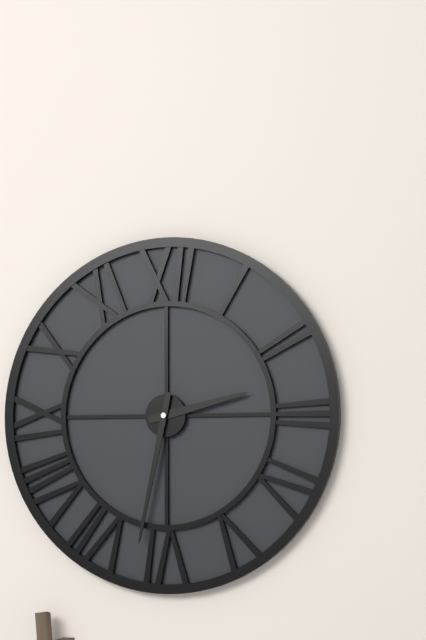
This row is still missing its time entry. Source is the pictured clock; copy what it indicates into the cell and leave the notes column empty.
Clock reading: 2:32
